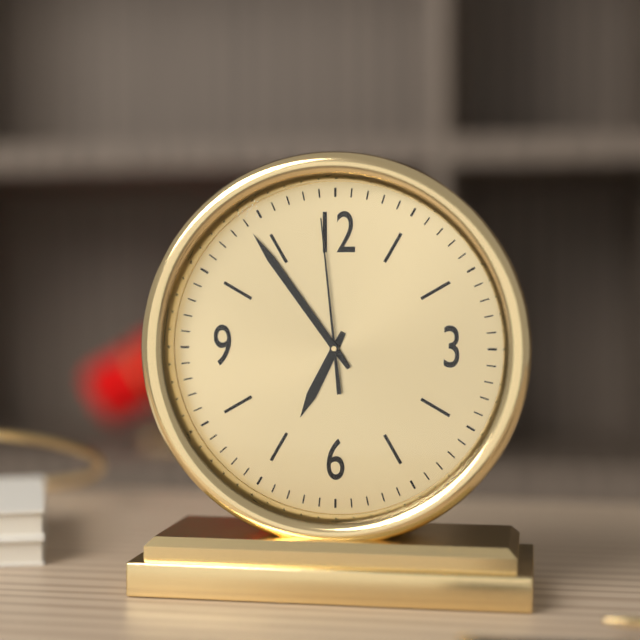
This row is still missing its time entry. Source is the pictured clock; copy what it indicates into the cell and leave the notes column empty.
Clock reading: 6:54:59
